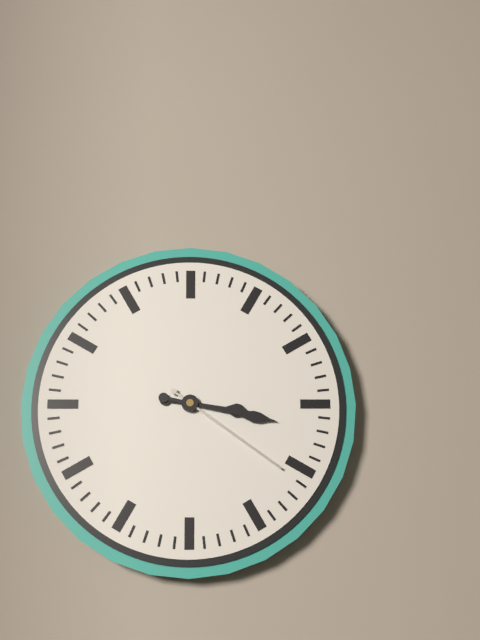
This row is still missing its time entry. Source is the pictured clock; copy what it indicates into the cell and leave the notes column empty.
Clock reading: 3:17:21
